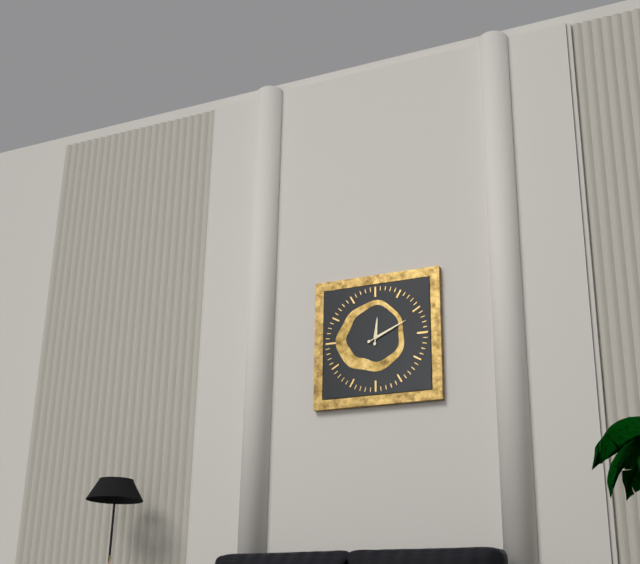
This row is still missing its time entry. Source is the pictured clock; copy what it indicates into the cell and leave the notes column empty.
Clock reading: 12:11
